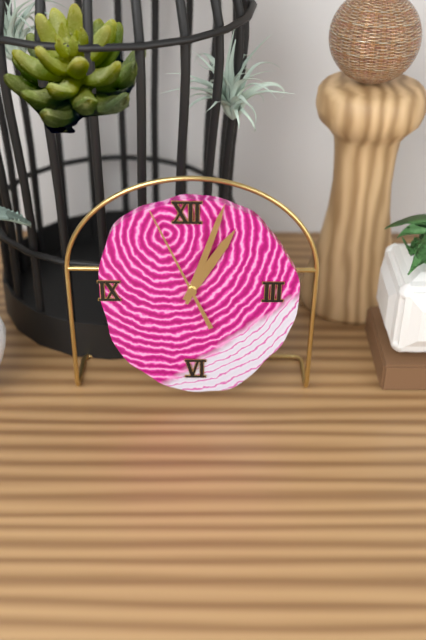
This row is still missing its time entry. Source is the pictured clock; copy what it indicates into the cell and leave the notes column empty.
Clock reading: 1:03:56
